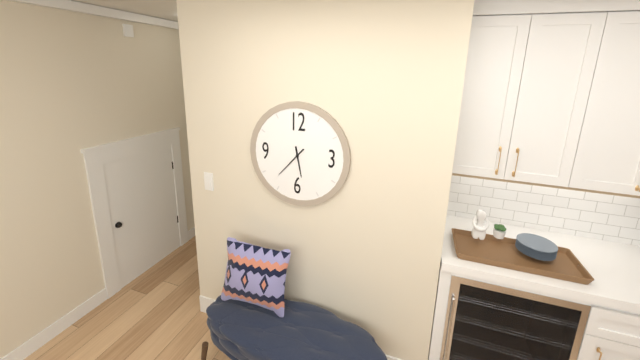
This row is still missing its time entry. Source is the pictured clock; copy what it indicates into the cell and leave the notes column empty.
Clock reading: 5:37
